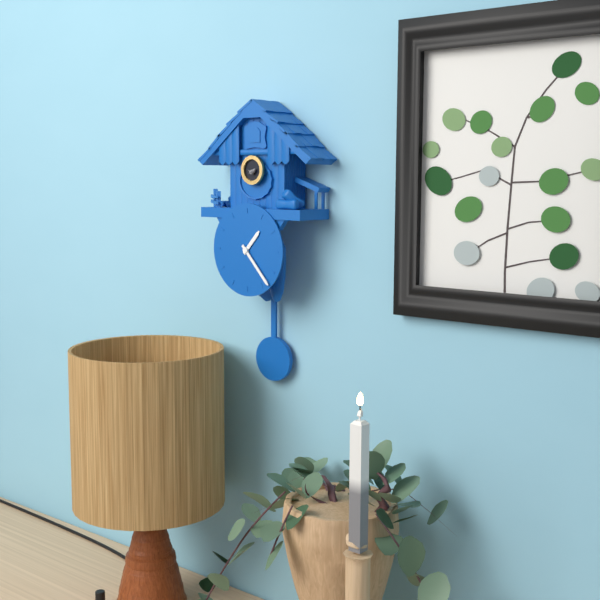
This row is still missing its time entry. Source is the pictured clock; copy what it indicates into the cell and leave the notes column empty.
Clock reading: 1:23
